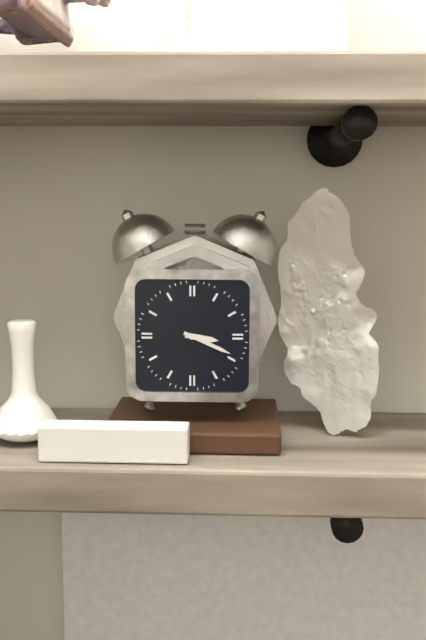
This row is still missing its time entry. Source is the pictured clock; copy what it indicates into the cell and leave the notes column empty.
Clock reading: 3:19
